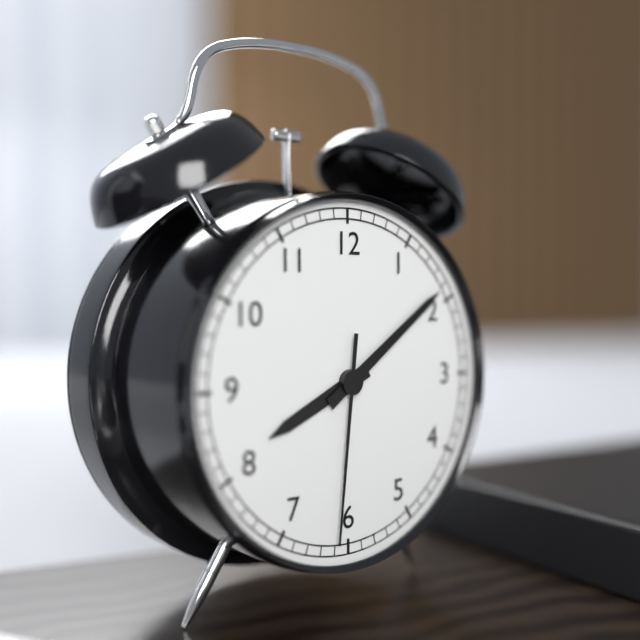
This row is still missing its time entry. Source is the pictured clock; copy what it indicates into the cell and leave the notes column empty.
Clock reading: 8:09:31
